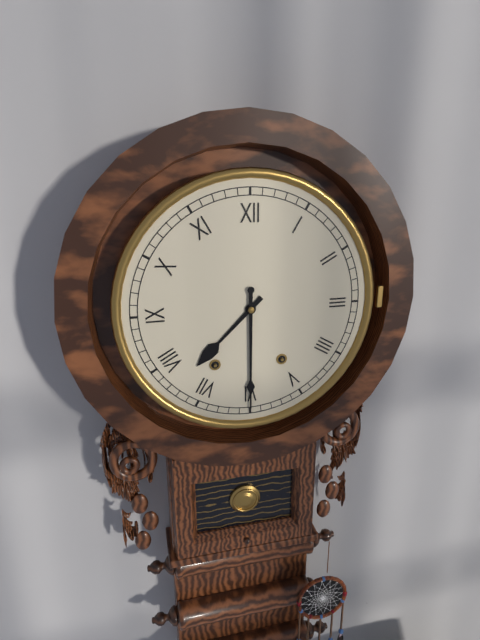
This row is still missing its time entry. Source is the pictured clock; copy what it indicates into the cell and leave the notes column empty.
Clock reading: 7:30
